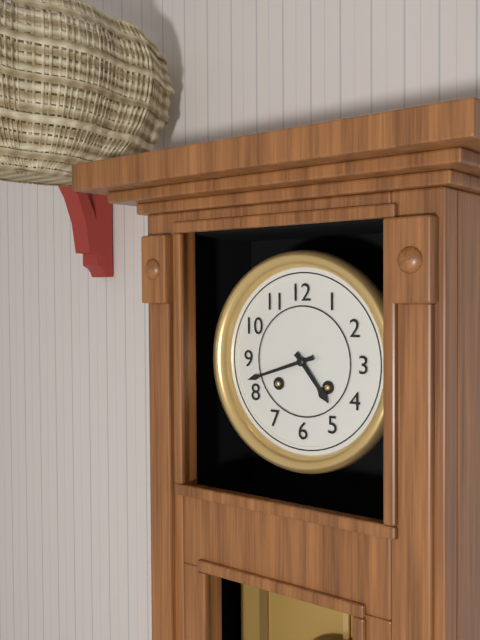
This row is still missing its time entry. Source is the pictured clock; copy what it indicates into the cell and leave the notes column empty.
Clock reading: 4:42
